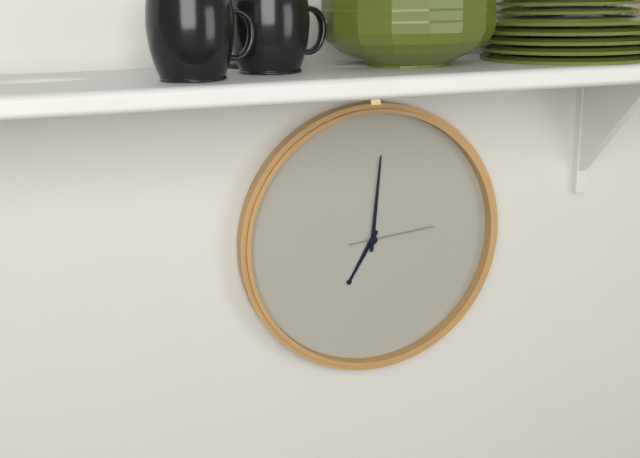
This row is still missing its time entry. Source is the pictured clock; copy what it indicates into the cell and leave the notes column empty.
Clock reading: 7:01:14
